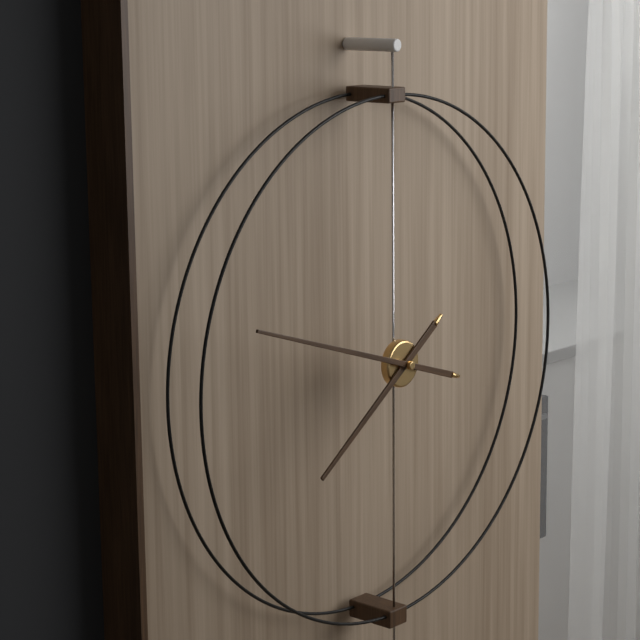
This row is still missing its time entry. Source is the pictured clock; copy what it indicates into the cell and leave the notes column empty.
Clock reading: 7:48
